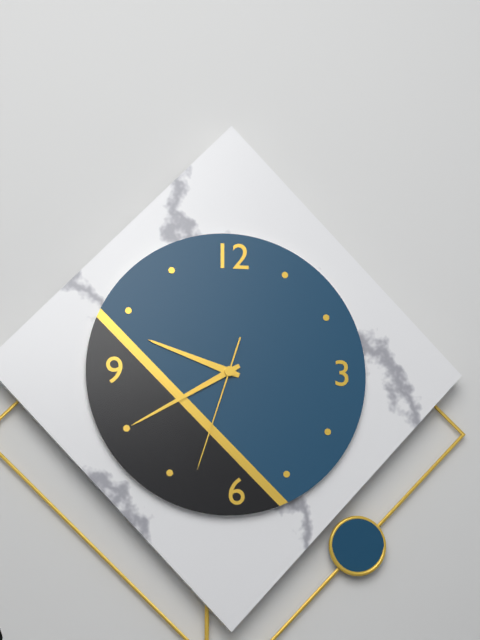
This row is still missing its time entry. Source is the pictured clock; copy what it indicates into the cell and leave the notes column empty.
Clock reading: 9:40:33
